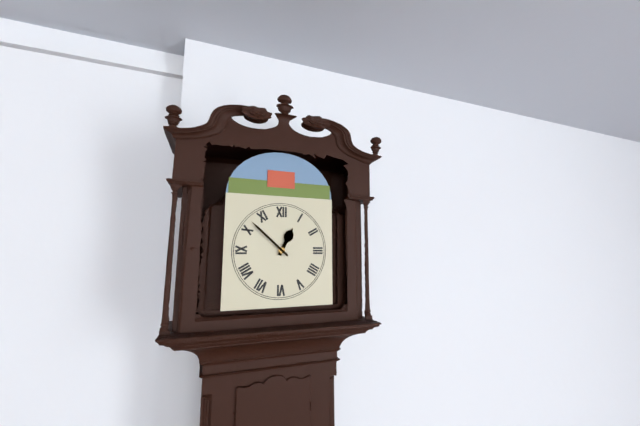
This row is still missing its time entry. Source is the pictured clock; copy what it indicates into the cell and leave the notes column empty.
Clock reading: 12:52
